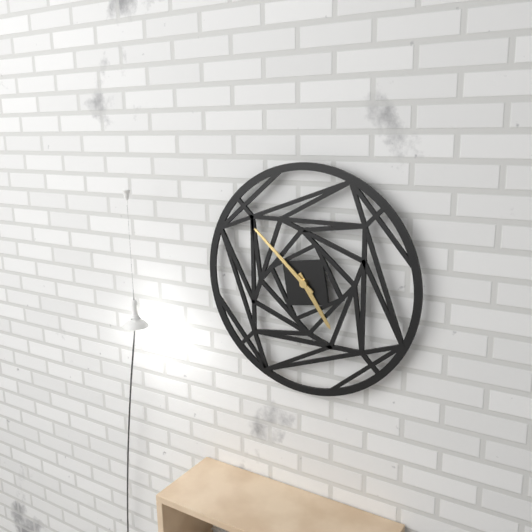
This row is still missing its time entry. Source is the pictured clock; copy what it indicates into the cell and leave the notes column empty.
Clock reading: 4:52
